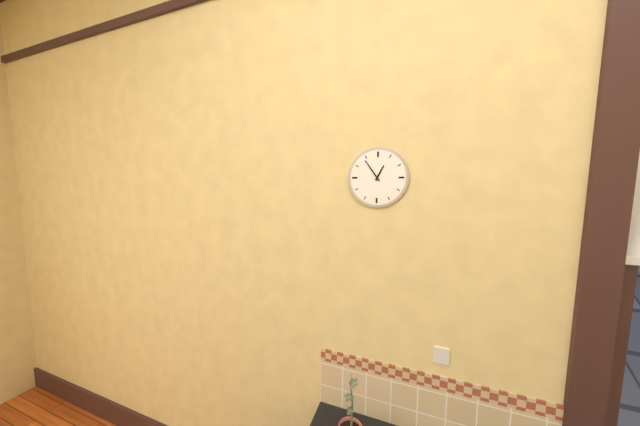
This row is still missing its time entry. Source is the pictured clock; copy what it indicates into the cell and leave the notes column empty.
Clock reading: 12:54
